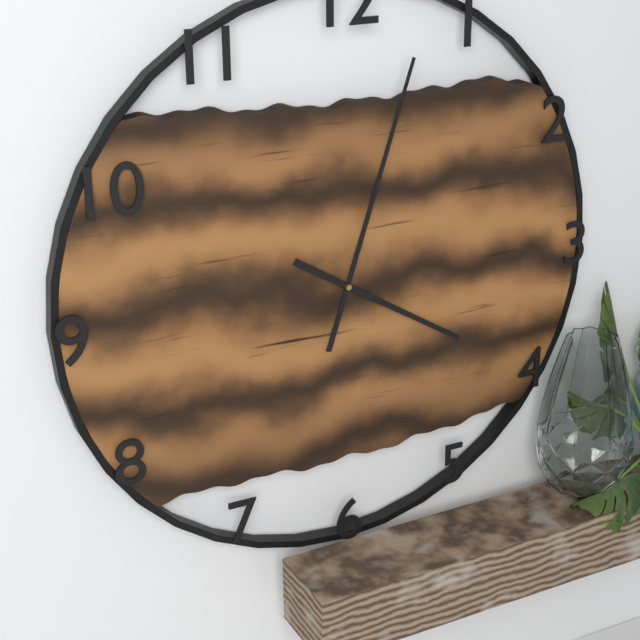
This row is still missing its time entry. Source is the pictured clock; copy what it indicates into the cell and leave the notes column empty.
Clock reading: 4:03
